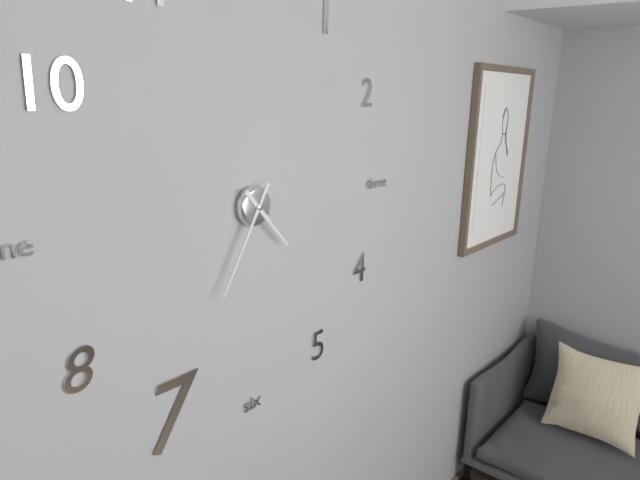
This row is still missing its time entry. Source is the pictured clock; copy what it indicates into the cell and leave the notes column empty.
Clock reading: 4:35
